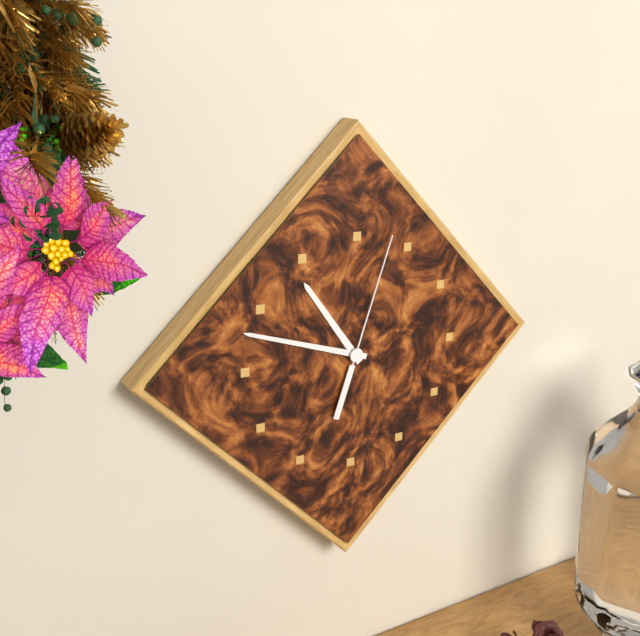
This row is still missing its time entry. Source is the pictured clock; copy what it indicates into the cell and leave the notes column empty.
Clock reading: 10:48:03
